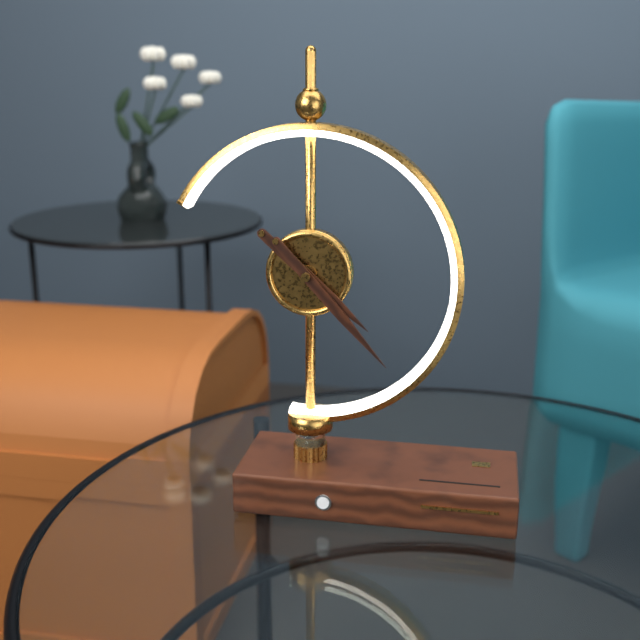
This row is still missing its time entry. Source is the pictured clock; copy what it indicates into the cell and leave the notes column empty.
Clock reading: 4:23
